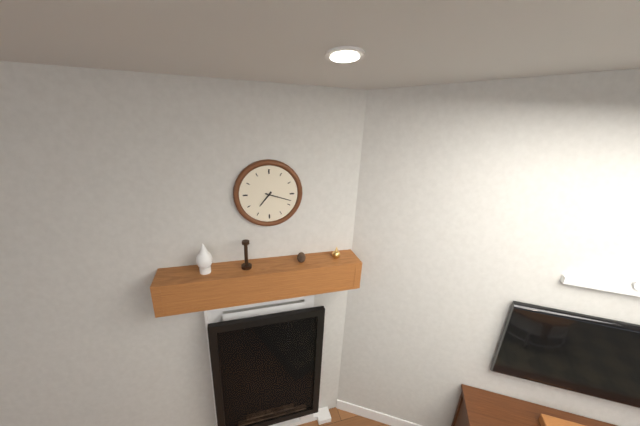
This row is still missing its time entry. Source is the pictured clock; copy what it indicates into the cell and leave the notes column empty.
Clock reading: 7:18
